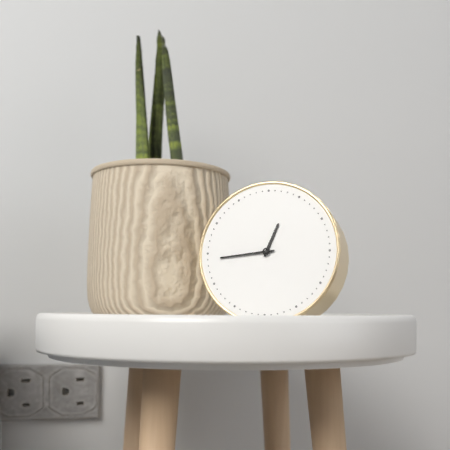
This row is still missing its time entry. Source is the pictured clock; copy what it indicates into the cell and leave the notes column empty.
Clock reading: 12:44
